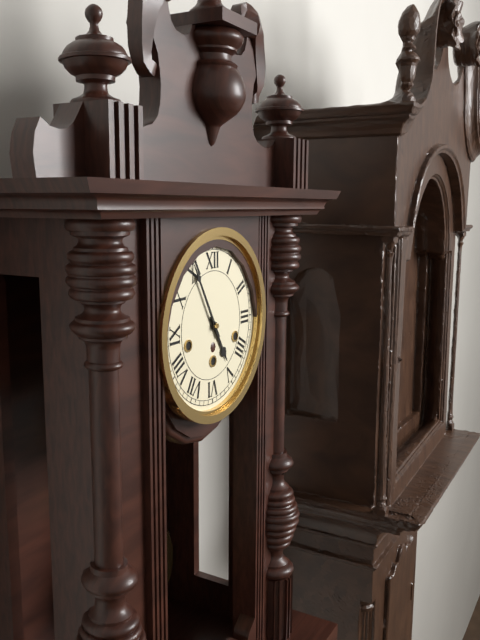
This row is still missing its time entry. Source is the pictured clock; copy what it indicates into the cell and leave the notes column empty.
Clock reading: 4:55
